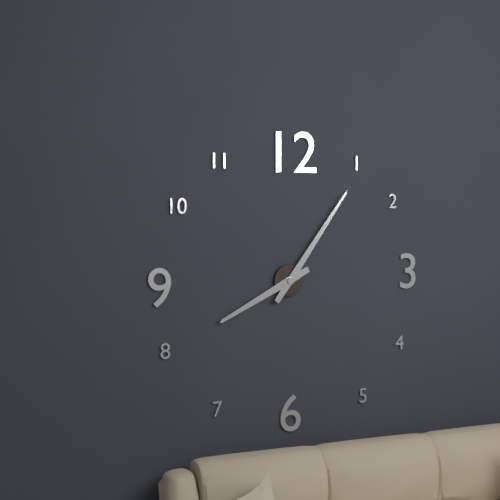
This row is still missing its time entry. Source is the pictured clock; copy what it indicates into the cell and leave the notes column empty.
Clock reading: 8:06
